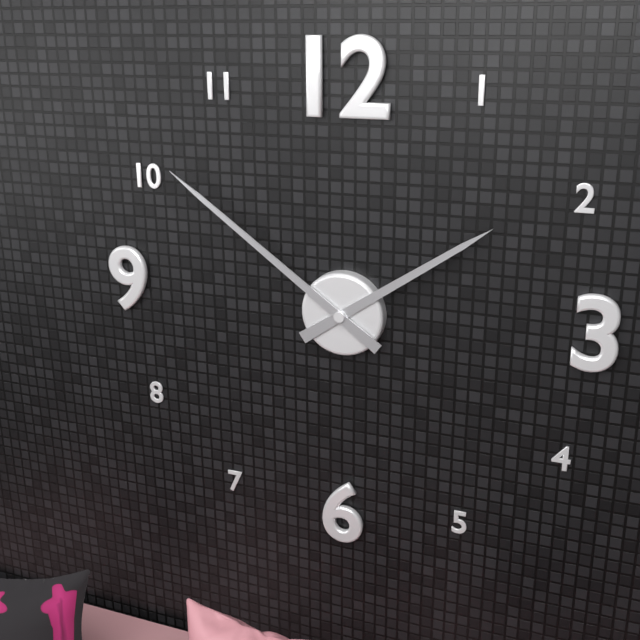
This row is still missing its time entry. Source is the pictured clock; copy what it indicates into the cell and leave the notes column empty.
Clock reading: 1:51
